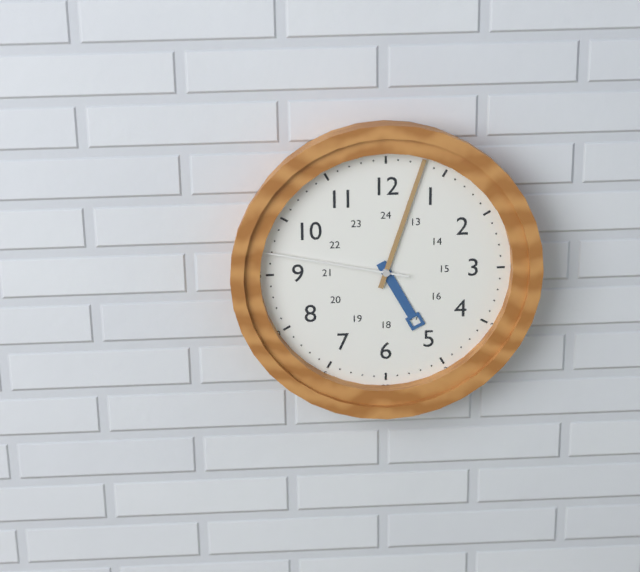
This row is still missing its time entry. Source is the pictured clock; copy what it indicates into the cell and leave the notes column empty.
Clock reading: 5:03:47
